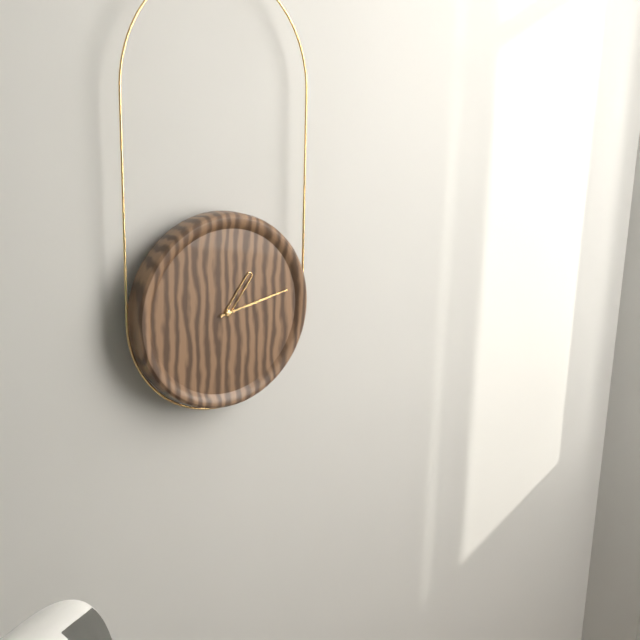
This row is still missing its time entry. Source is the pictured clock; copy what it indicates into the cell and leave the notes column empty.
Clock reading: 1:13
